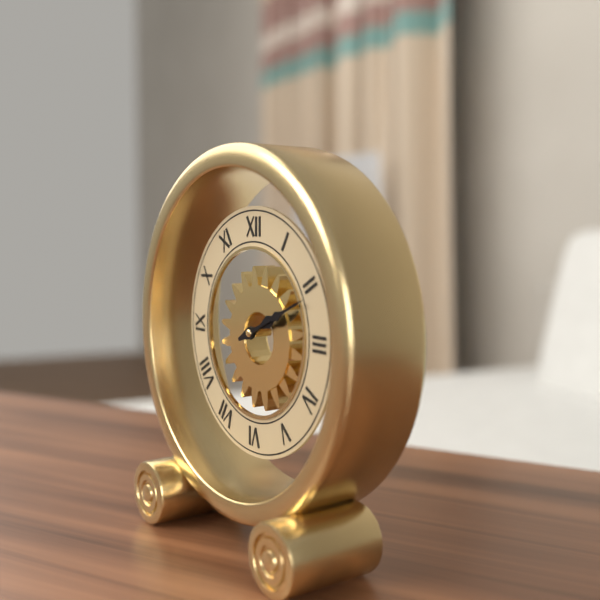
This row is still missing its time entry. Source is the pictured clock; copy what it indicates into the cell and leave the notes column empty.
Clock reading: 2:11
